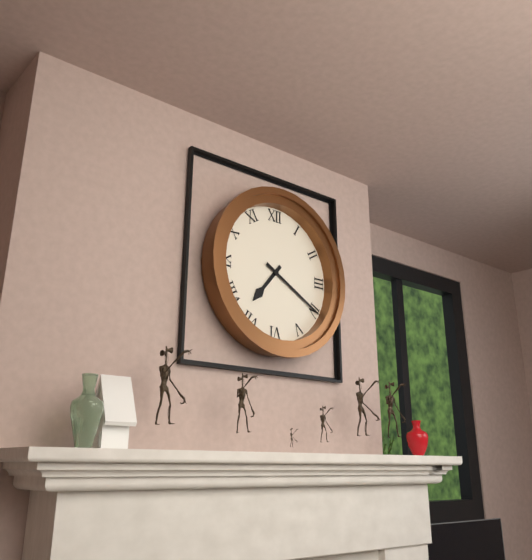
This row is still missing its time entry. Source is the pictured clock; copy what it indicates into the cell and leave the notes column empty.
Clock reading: 7:20
